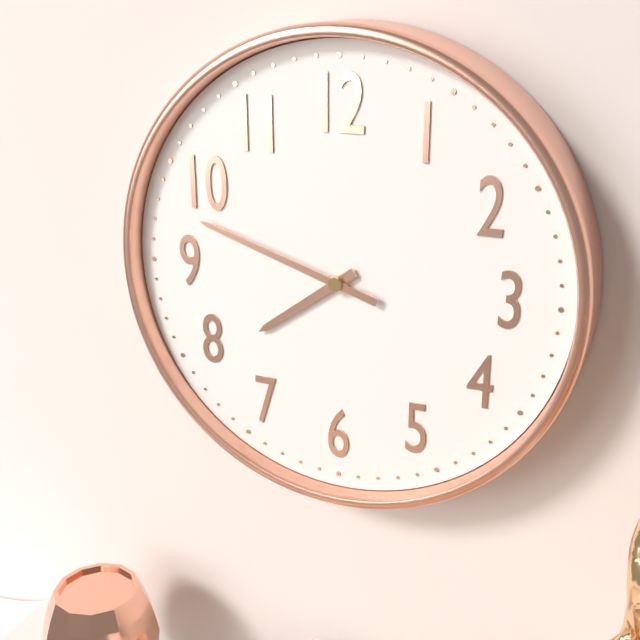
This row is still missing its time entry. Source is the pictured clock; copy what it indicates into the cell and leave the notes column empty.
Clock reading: 7:48
